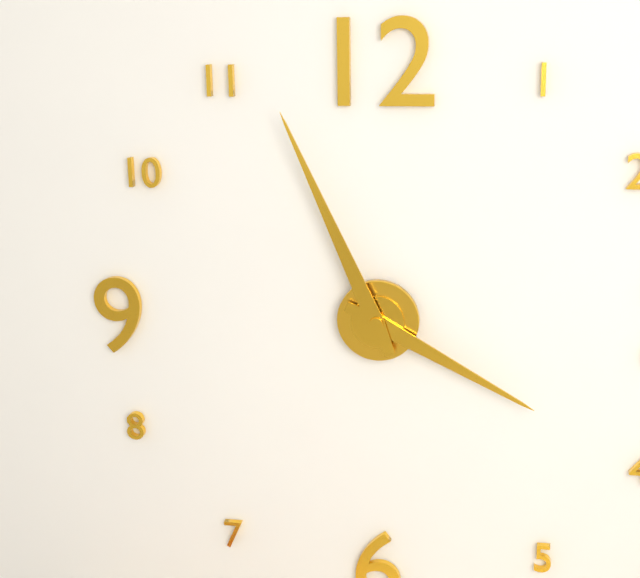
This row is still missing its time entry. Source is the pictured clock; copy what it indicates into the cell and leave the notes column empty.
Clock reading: 3:56
